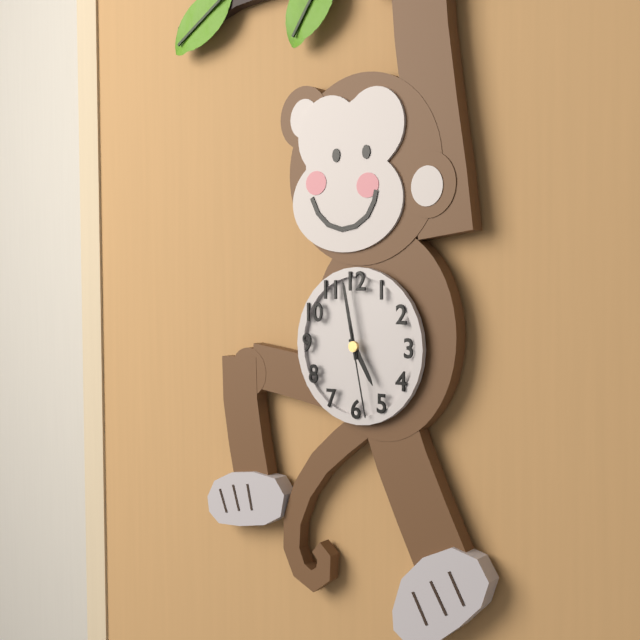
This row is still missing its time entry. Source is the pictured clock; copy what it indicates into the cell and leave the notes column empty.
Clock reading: 4:58:28
